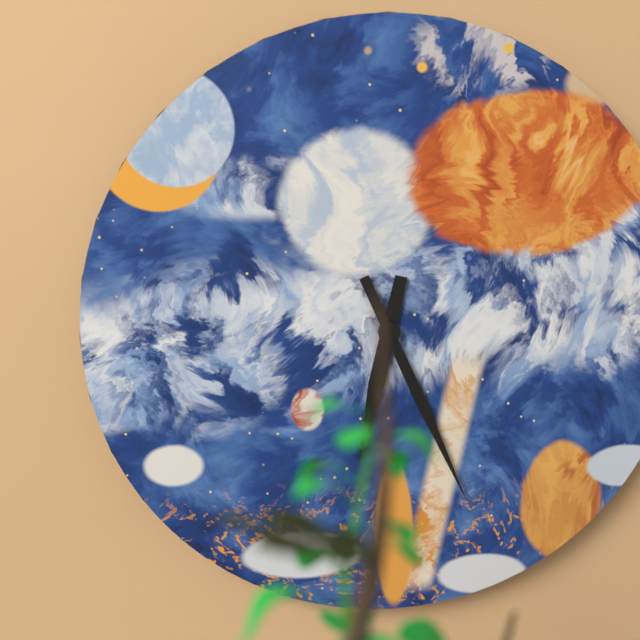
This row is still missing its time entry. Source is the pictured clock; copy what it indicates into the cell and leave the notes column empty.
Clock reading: 6:26
